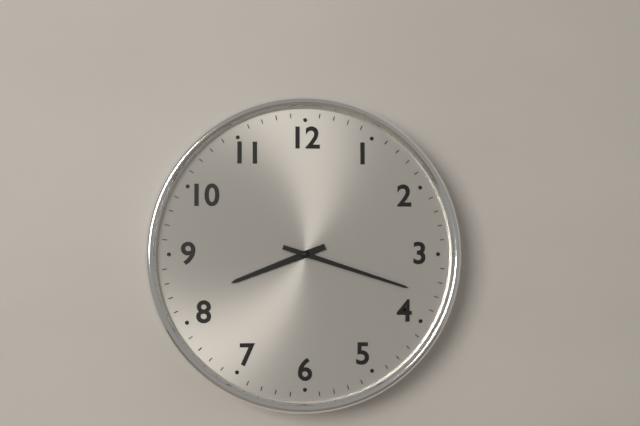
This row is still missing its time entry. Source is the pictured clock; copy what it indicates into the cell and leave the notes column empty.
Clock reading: 8:18
